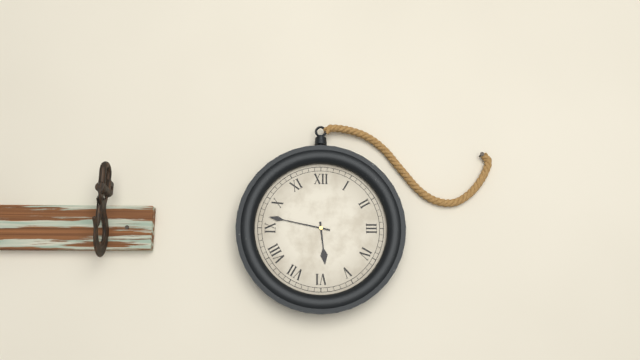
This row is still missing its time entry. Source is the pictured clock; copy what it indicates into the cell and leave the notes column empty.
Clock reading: 5:47
